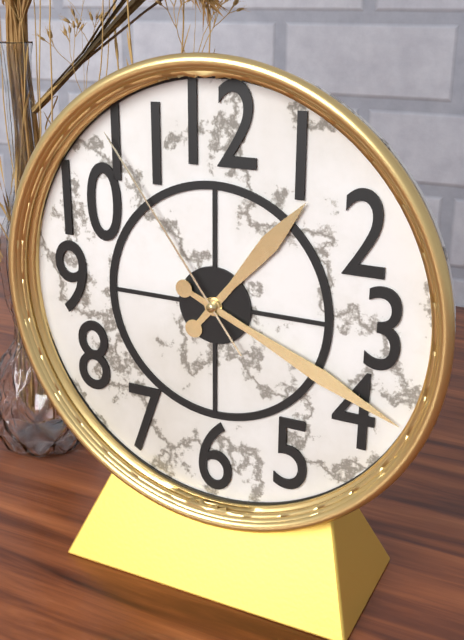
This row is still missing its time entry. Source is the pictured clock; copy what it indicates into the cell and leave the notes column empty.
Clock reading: 1:19:54
